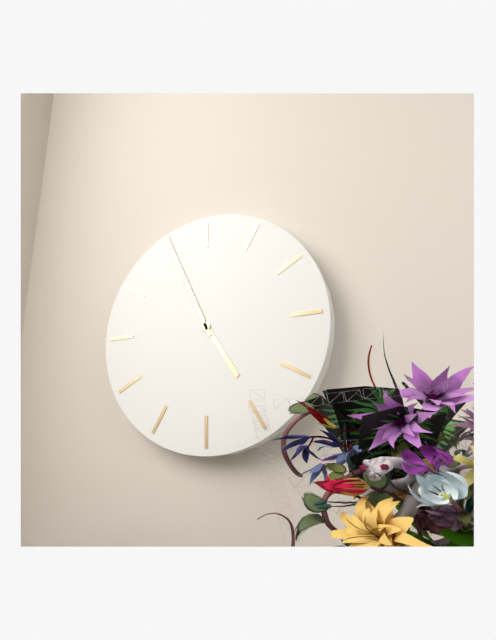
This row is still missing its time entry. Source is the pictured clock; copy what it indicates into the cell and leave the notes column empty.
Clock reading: 4:56
